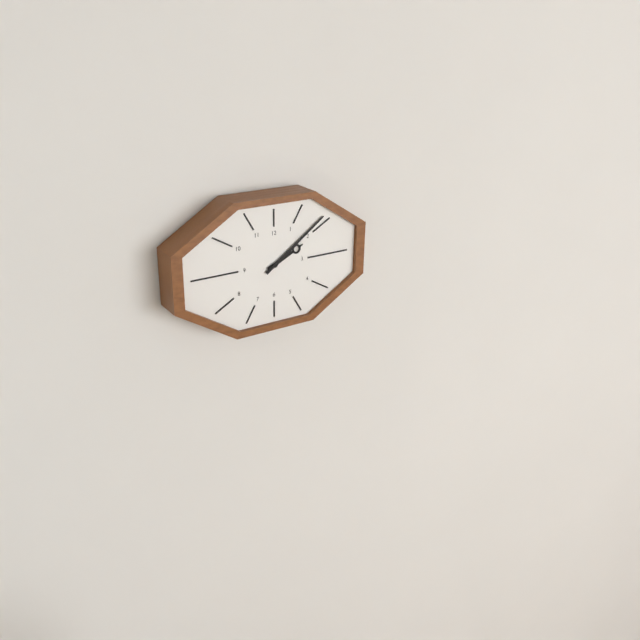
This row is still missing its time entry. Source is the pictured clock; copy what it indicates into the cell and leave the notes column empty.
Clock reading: 2:09
